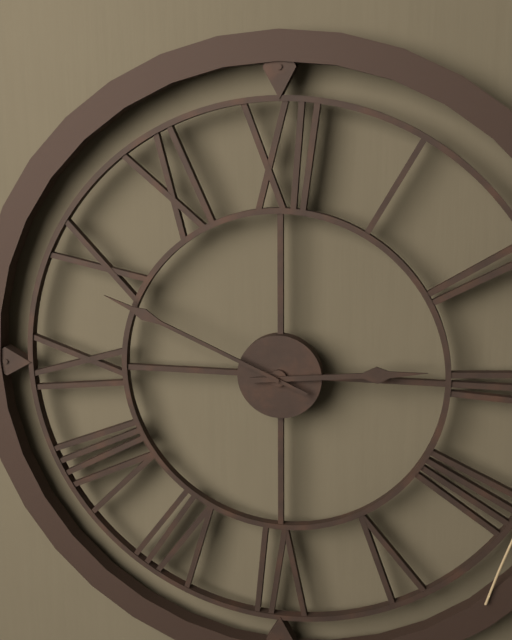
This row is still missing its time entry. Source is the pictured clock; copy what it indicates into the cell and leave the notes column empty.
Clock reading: 2:49
